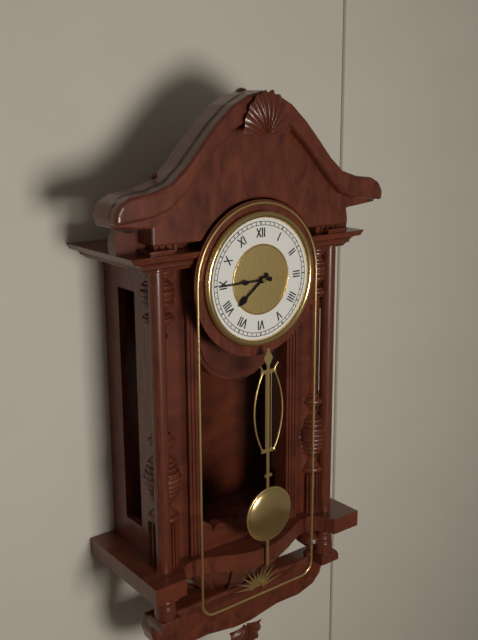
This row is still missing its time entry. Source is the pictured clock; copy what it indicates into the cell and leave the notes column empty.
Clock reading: 7:45
